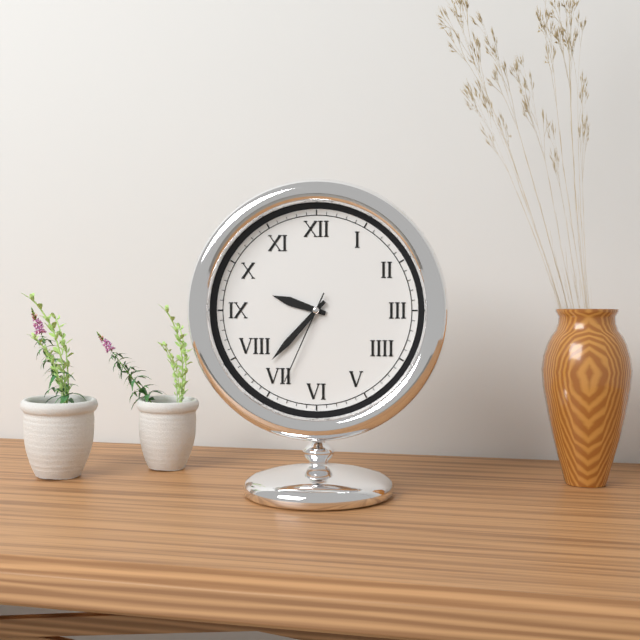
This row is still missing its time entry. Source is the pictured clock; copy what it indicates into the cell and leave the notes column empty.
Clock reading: 9:37:34
